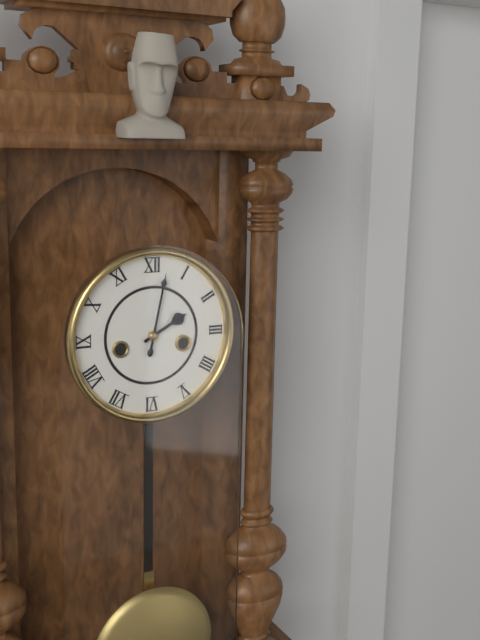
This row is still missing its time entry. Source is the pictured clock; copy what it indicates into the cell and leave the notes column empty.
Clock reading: 2:02
